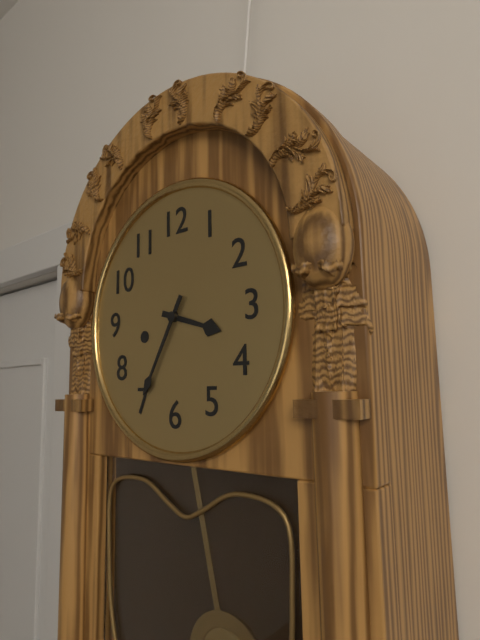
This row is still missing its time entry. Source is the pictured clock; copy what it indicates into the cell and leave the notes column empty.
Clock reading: 3:35
